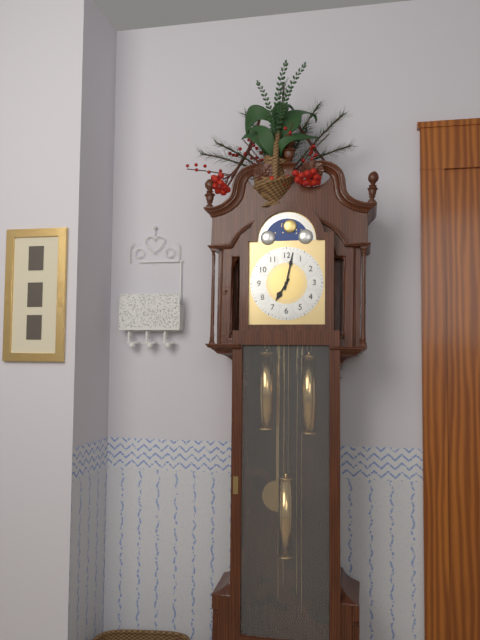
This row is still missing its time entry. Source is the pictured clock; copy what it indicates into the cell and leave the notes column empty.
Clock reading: 7:02
